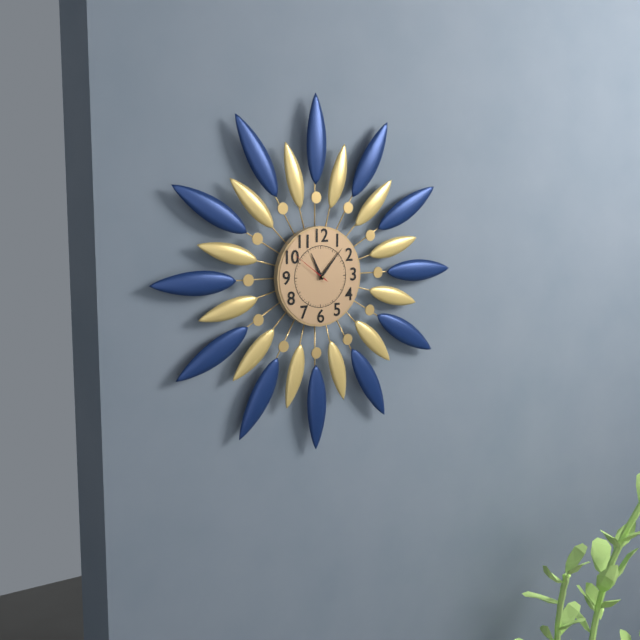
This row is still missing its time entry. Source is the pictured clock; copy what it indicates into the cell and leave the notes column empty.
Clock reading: 11:07
